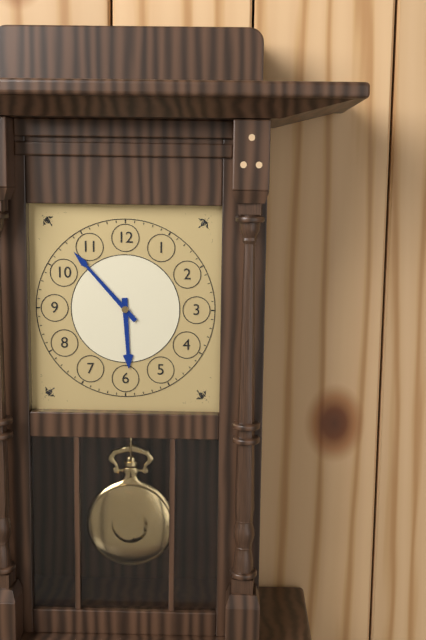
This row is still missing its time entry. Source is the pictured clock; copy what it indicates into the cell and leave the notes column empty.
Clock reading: 5:53
